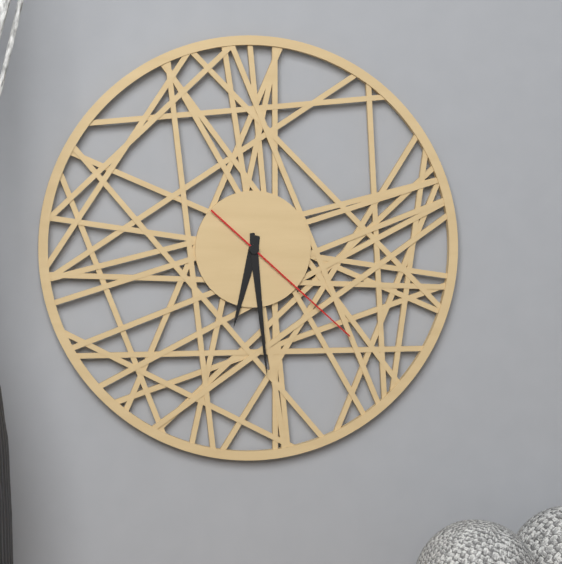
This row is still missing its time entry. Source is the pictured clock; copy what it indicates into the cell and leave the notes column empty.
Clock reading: 6:29:22
